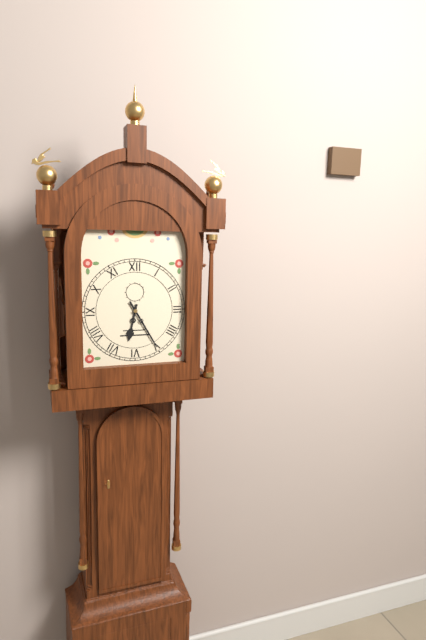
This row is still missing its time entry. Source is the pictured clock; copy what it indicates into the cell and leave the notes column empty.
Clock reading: 6:25
